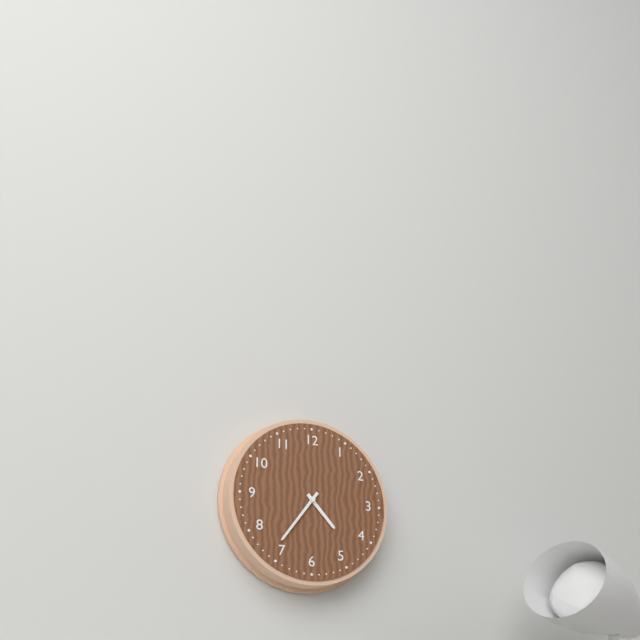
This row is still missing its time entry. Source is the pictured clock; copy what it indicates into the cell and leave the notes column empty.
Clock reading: 4:36
